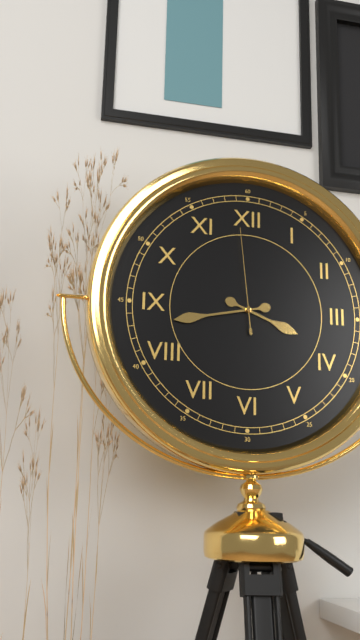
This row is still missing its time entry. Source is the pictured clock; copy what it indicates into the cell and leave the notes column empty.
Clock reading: 3:43:59
